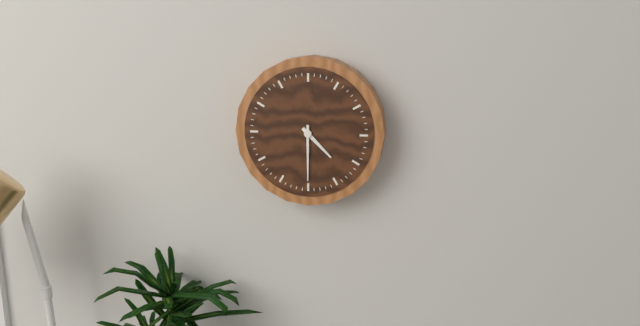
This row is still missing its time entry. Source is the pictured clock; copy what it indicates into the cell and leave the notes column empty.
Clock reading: 4:30
